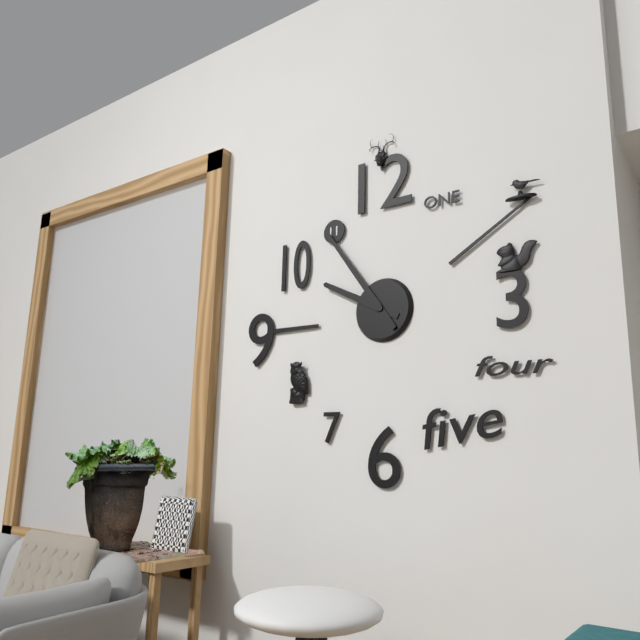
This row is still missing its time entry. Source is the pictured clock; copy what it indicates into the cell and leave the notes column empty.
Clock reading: 9:54
